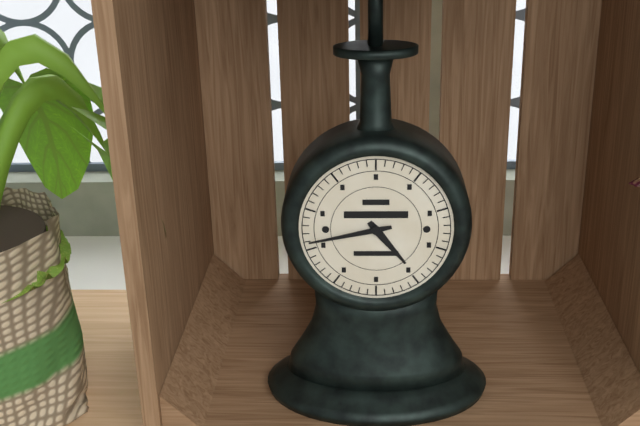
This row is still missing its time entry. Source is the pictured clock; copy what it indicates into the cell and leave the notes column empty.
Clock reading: 4:43
